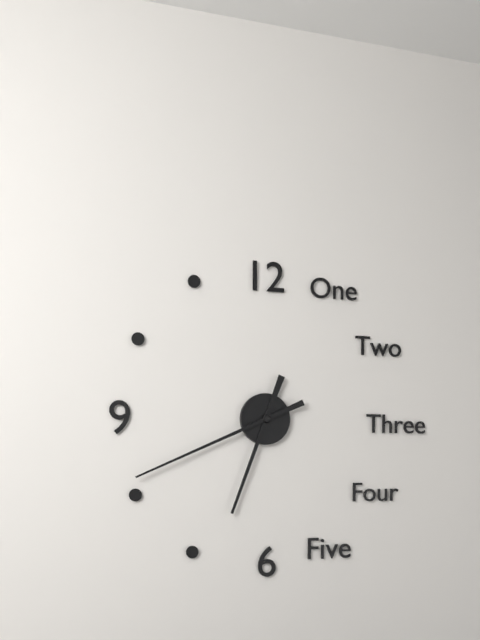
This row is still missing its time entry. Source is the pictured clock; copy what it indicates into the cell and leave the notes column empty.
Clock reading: 6:41
